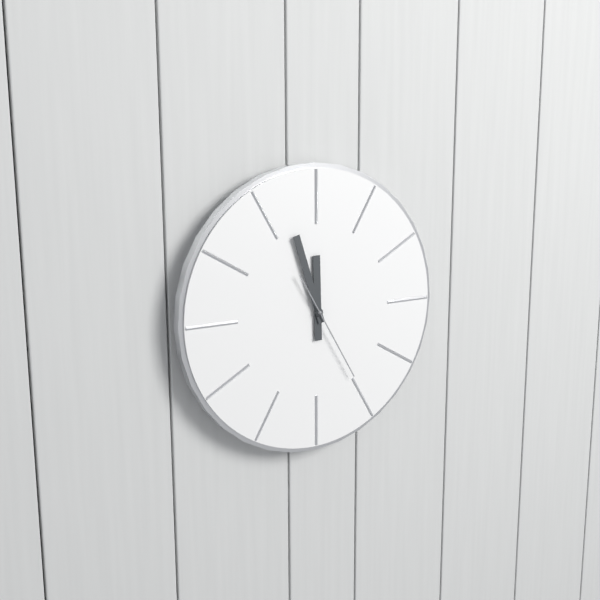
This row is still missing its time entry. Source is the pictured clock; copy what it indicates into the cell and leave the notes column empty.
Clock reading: 11:57:25
